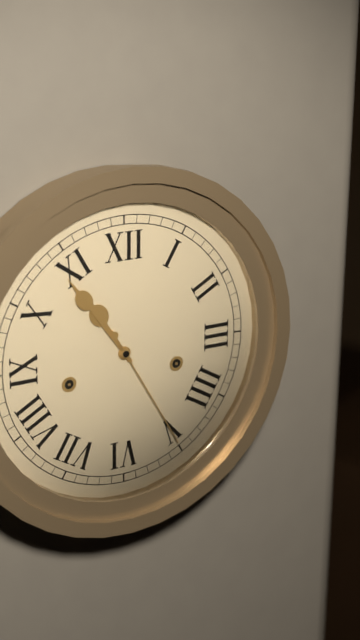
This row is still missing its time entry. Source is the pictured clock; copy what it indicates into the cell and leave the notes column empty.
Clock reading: 10:54:25
